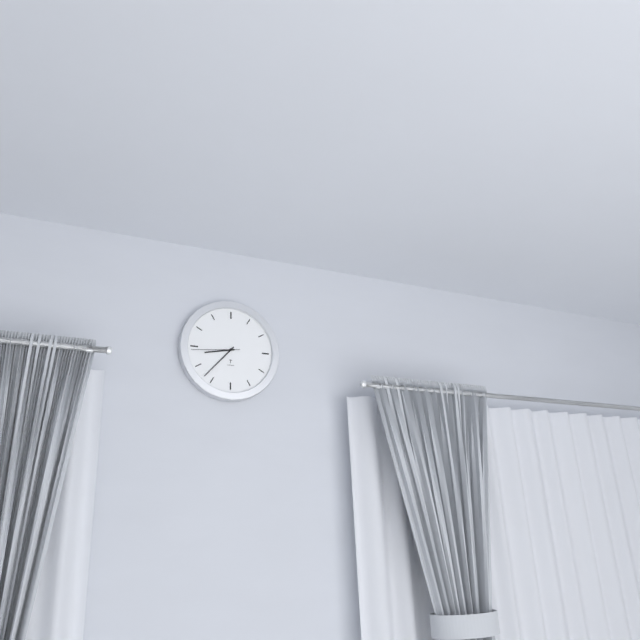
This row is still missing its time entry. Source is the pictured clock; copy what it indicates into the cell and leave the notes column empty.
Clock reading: 8:37
